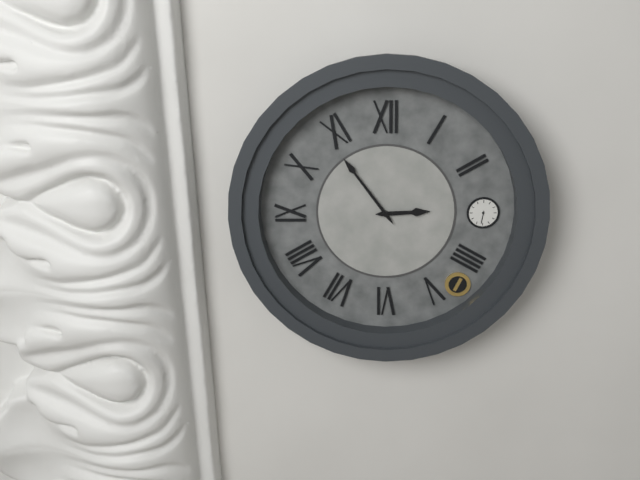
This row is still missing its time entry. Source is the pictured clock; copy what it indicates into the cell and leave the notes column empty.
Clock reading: 2:54
